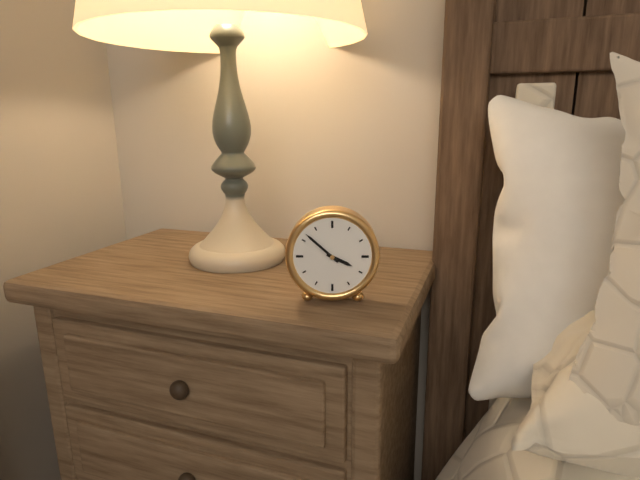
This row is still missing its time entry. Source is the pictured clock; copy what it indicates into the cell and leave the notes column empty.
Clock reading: 3:52
